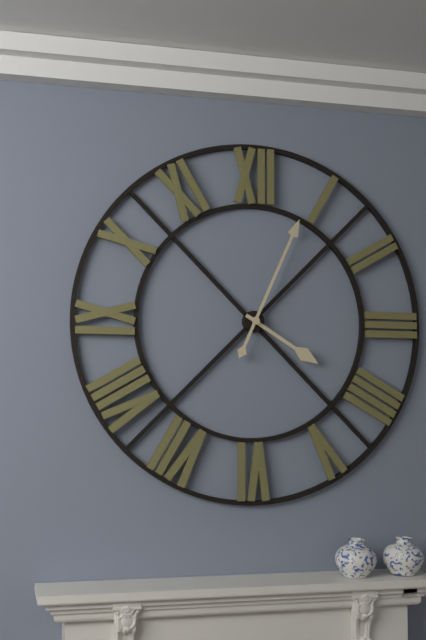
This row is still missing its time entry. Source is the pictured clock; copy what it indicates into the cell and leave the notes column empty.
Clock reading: 4:04
